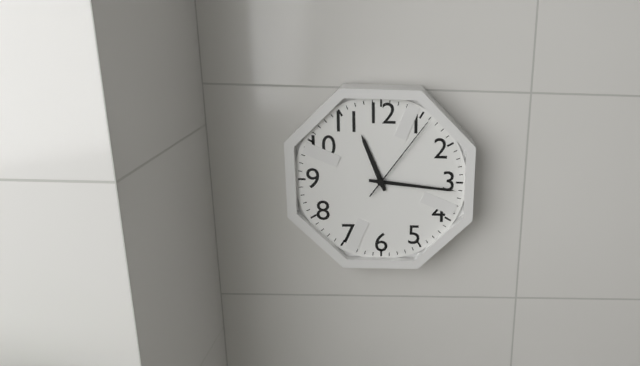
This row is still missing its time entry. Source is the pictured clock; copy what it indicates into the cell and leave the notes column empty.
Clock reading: 11:16:06
